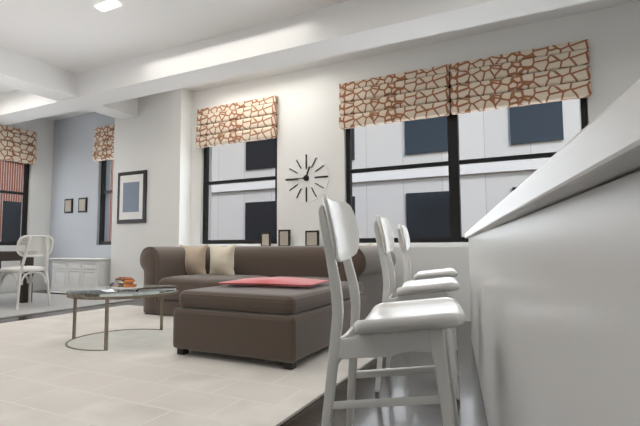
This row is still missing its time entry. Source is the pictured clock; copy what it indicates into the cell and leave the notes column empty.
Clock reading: 12:45
